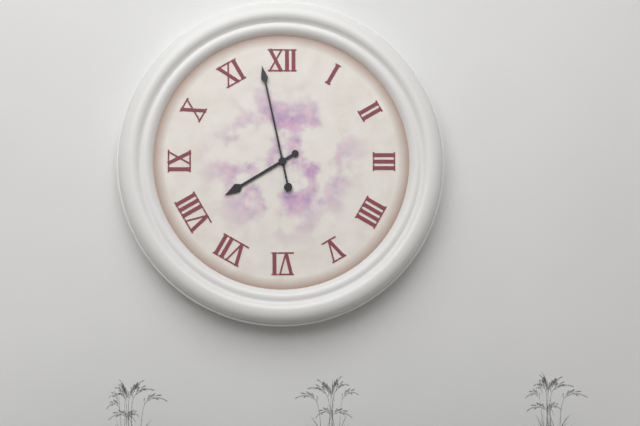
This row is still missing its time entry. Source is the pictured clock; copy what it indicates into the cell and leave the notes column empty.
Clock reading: 7:58
